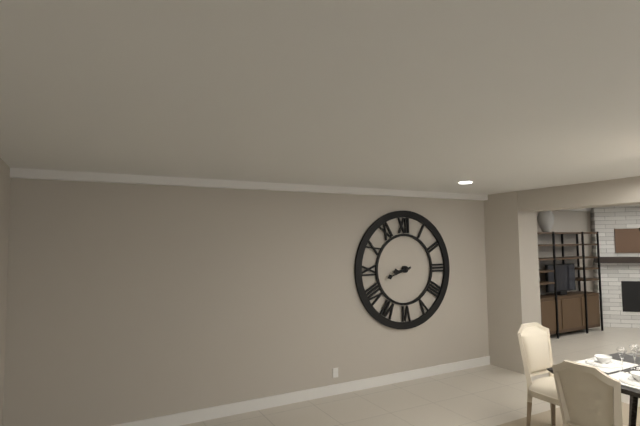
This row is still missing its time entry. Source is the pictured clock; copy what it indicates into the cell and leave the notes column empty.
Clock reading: 8:42
